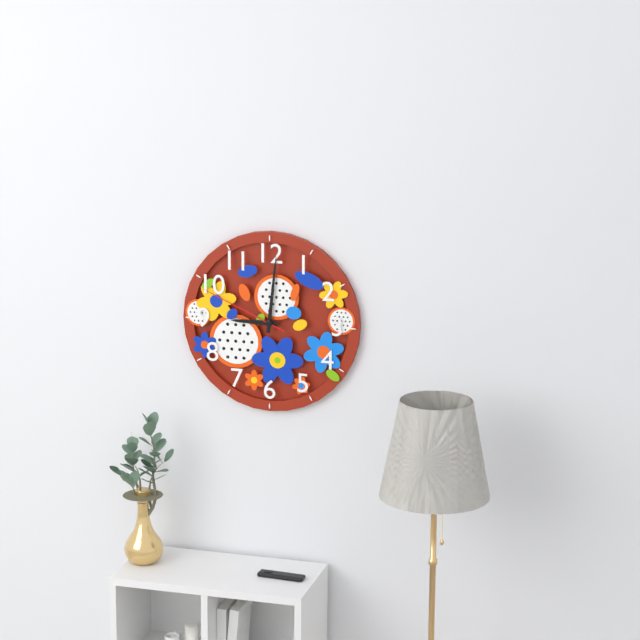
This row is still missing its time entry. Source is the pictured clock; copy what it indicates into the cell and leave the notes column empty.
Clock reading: 9:01:49
